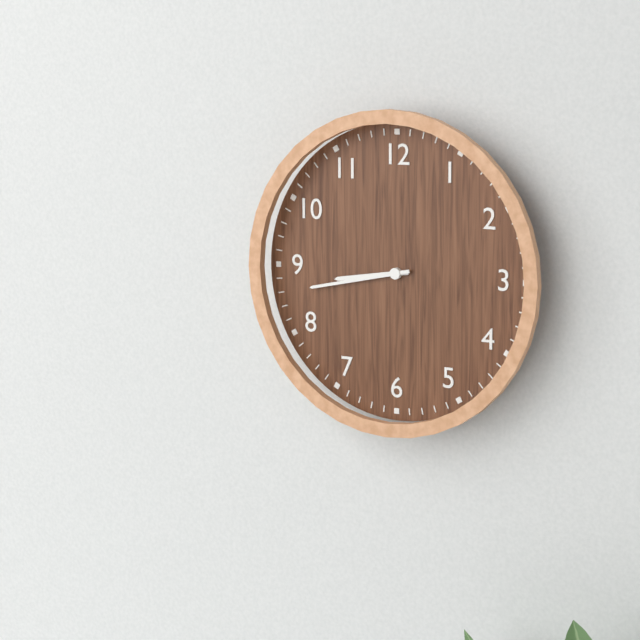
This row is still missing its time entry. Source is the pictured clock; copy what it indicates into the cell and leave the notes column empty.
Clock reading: 8:43
